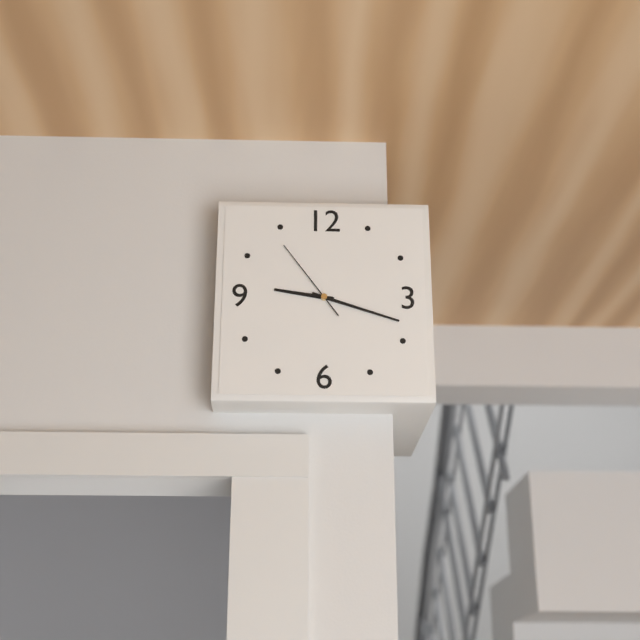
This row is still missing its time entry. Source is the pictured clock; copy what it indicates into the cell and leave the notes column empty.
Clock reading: 9:18:54
